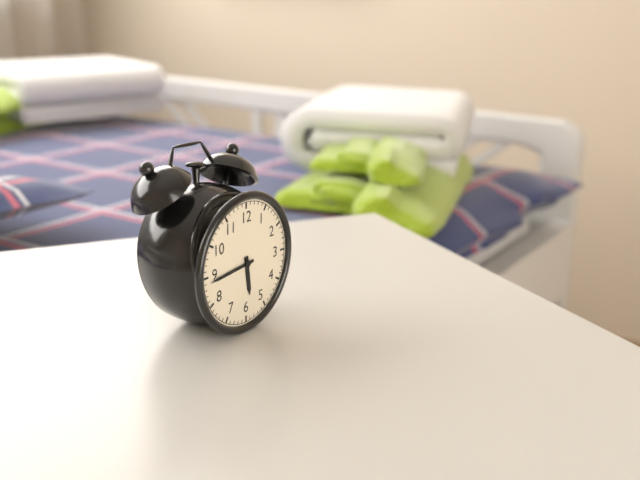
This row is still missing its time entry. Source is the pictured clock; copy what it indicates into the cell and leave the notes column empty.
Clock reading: 5:44
